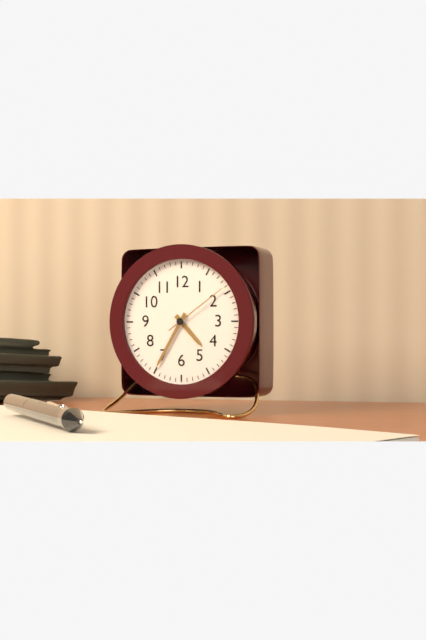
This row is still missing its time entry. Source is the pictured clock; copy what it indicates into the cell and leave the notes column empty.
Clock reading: 4:35:09
